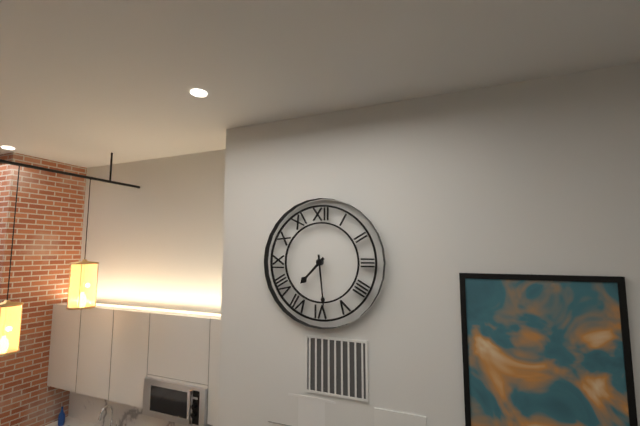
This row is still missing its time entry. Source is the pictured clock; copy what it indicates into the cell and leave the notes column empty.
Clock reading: 7:29
